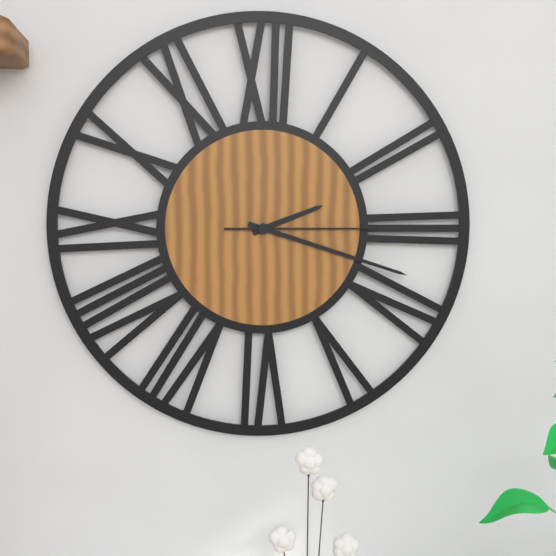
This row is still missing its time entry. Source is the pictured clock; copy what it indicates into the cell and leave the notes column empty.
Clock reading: 2:18:15
